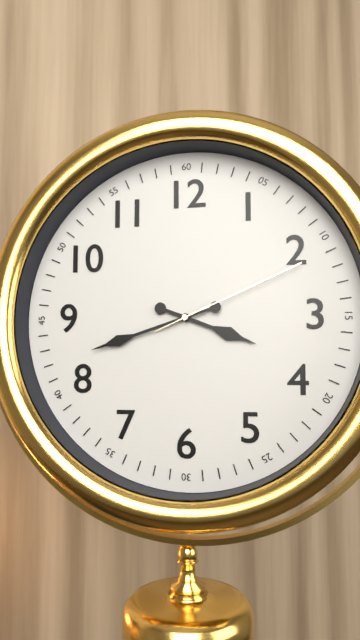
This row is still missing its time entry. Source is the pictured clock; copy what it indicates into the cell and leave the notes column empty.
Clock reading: 3:42:11
